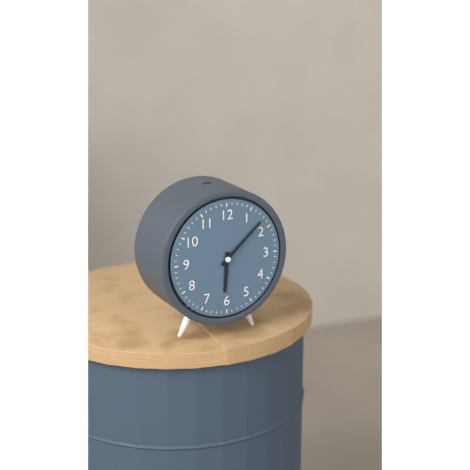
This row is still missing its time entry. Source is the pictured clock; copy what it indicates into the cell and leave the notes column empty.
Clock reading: 6:08
